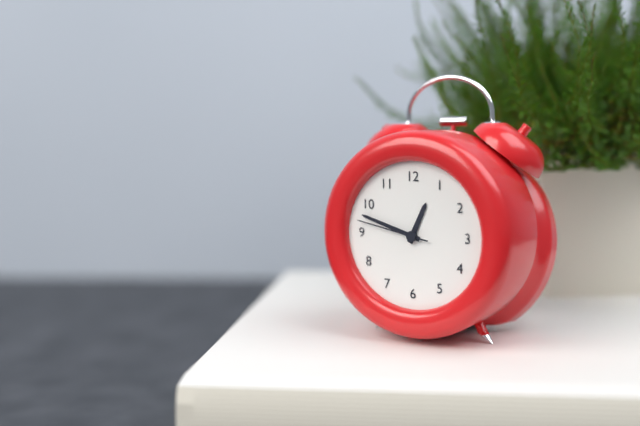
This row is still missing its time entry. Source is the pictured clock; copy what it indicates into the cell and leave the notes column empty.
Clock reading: 12:48:47
